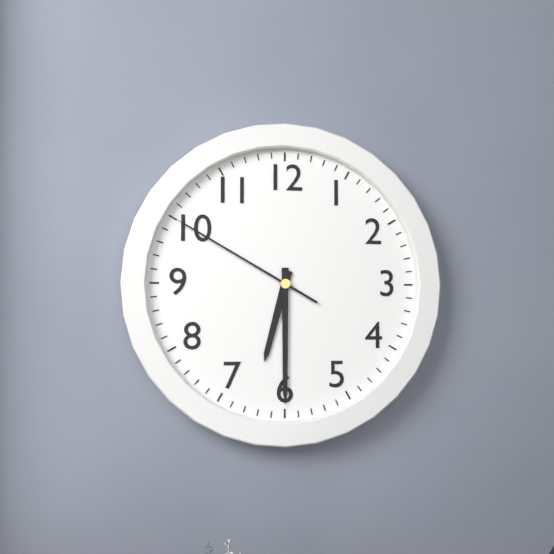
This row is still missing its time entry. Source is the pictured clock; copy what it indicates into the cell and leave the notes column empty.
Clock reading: 6:30:50
